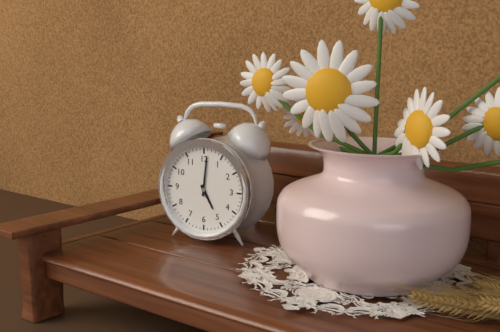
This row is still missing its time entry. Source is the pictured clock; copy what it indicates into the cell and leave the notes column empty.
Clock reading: 5:01
